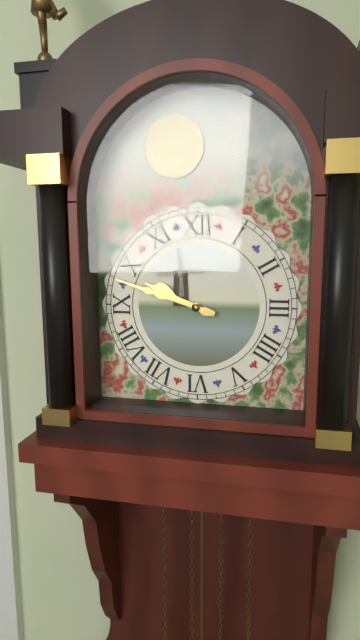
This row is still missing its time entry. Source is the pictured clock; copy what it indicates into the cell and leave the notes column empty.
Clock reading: 9:48
